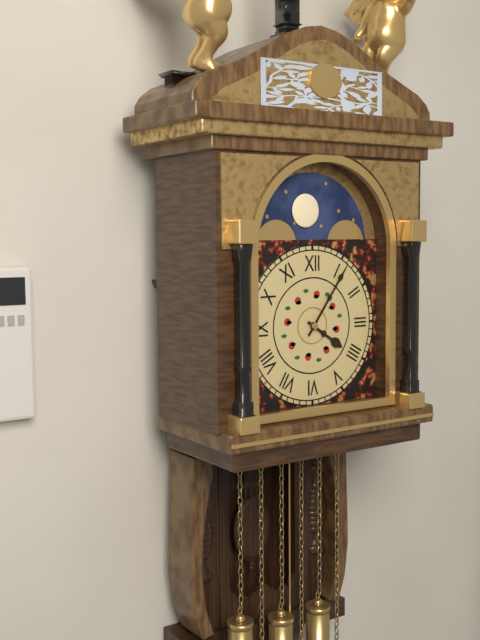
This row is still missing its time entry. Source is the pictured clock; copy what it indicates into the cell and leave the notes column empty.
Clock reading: 4:06
